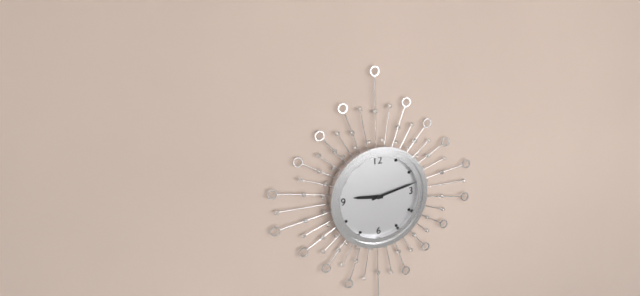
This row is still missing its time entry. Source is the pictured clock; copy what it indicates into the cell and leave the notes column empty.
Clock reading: 9:13
